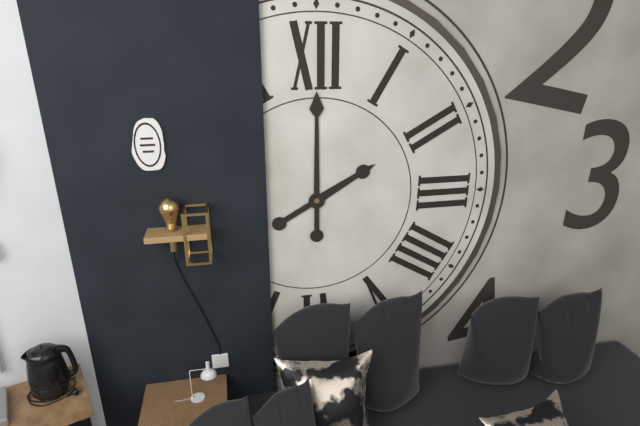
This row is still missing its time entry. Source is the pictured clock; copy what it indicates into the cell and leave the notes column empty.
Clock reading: 2:00
